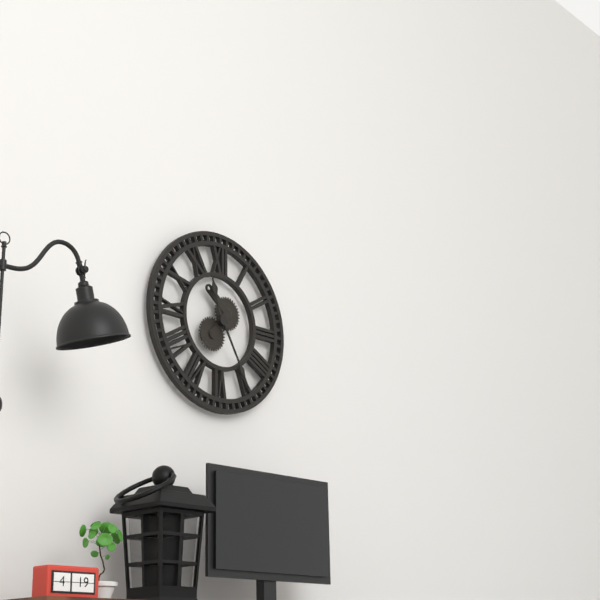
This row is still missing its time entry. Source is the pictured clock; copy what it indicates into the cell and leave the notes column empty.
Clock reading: 11:25
